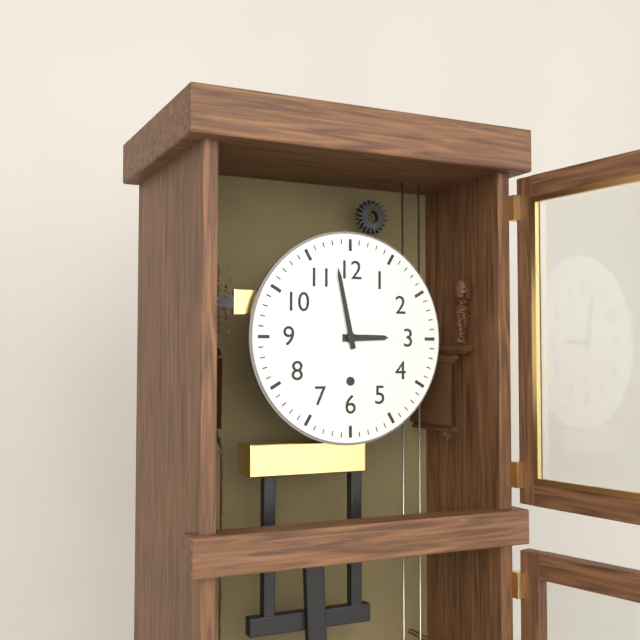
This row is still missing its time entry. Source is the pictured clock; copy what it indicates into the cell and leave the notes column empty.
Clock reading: 2:58
